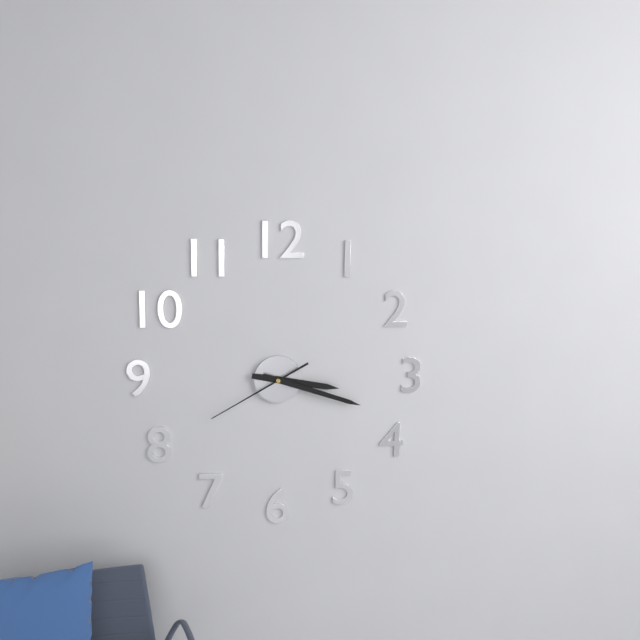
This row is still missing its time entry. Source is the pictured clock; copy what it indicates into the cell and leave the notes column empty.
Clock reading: 3:18:40
